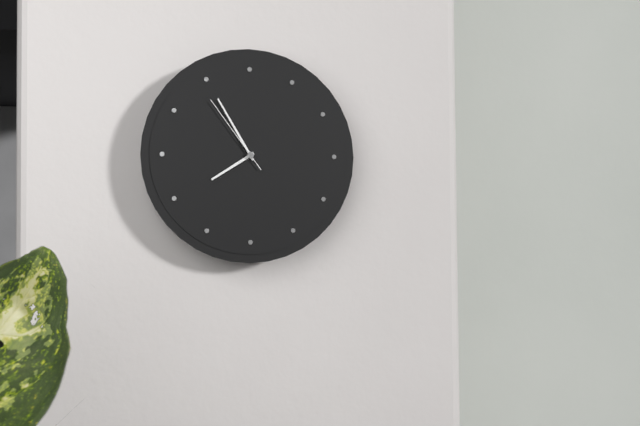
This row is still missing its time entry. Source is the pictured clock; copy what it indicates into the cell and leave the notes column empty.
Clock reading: 7:55:54
